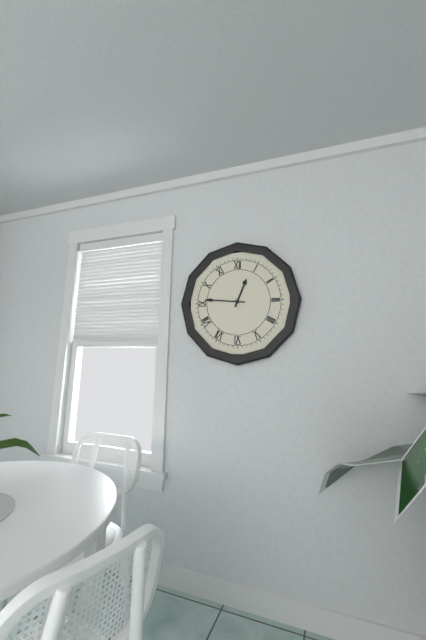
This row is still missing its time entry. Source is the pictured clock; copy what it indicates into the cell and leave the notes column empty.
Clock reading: 12:46
